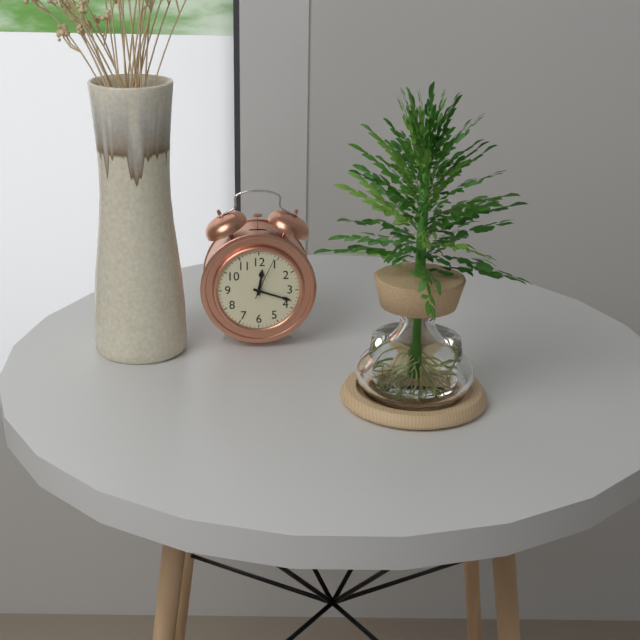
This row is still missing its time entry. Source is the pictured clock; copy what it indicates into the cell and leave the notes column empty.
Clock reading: 12:18
